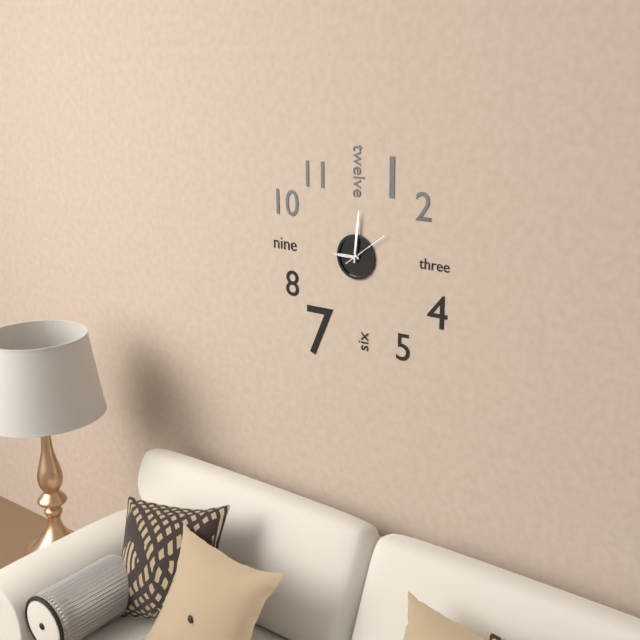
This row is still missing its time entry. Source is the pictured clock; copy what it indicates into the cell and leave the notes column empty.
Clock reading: 9:01
